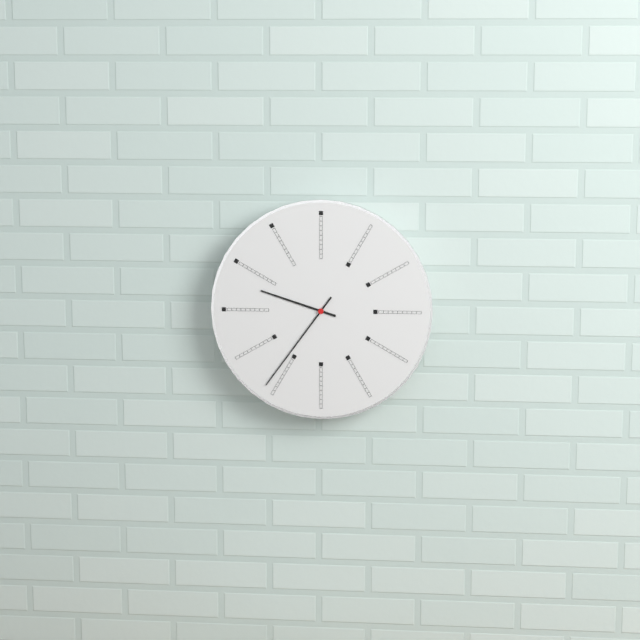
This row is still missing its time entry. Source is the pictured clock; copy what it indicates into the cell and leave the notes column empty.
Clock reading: 9:36
